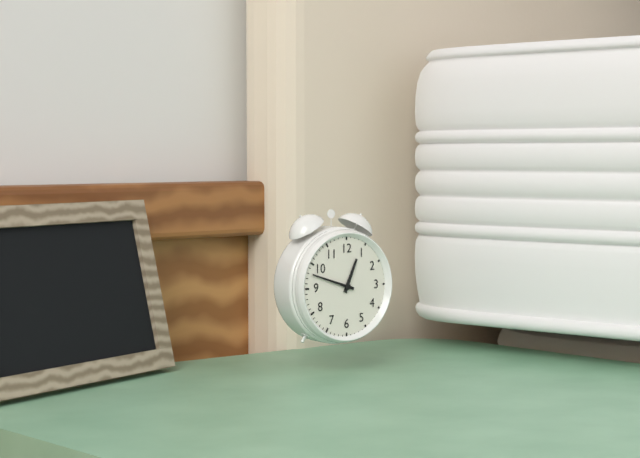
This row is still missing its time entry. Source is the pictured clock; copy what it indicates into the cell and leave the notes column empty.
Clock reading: 12:48
